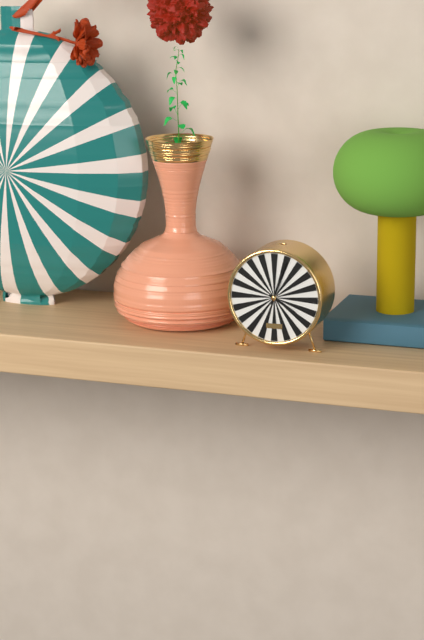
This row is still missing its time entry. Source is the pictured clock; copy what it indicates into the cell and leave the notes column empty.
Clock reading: 4:03
